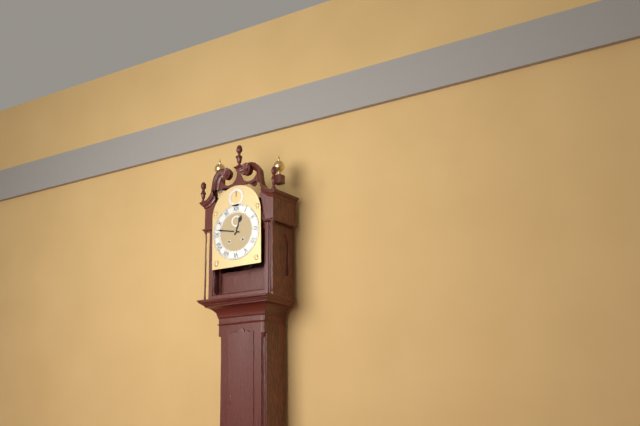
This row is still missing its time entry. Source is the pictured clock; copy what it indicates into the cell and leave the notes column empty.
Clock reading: 12:47
